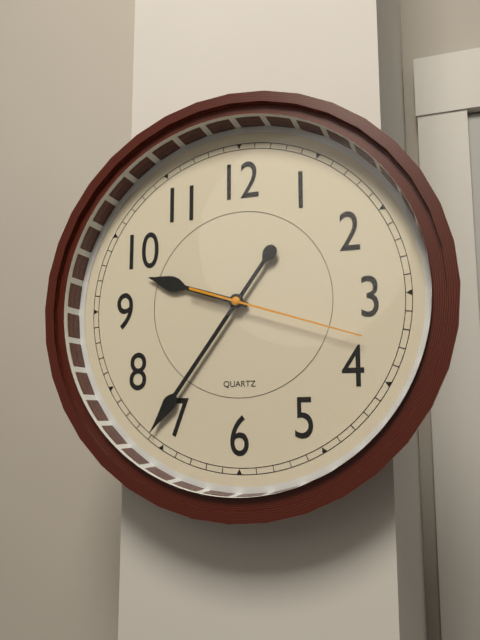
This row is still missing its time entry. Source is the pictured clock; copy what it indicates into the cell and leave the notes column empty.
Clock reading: 9:36:18
